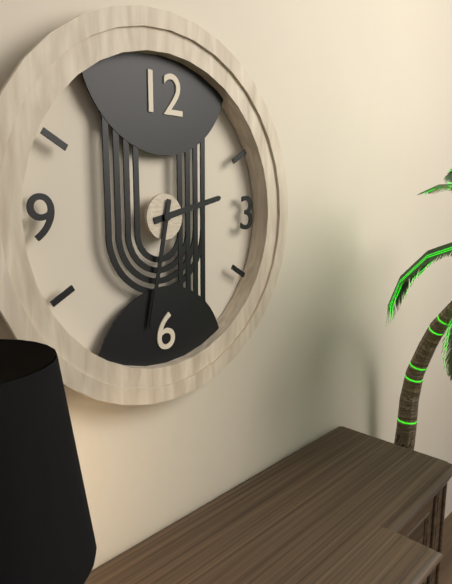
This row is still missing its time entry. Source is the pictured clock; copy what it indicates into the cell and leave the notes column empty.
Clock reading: 2:32
